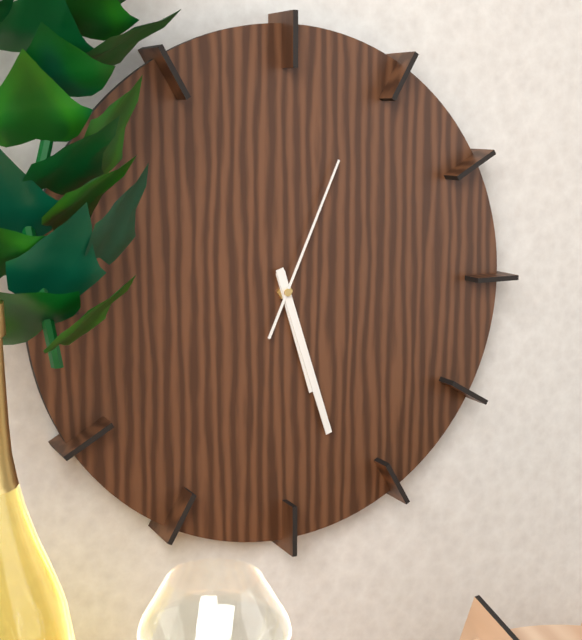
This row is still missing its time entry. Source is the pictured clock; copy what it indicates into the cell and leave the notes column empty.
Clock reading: 5:27:04
